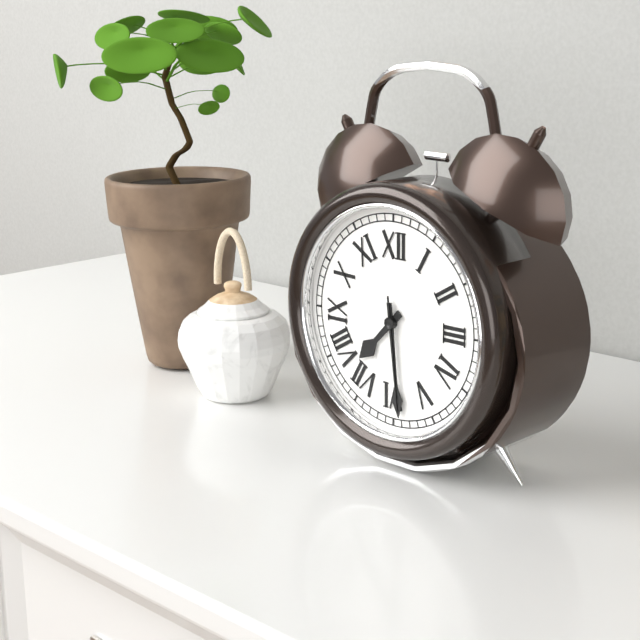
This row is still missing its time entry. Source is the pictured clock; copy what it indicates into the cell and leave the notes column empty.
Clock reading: 7:29:29
